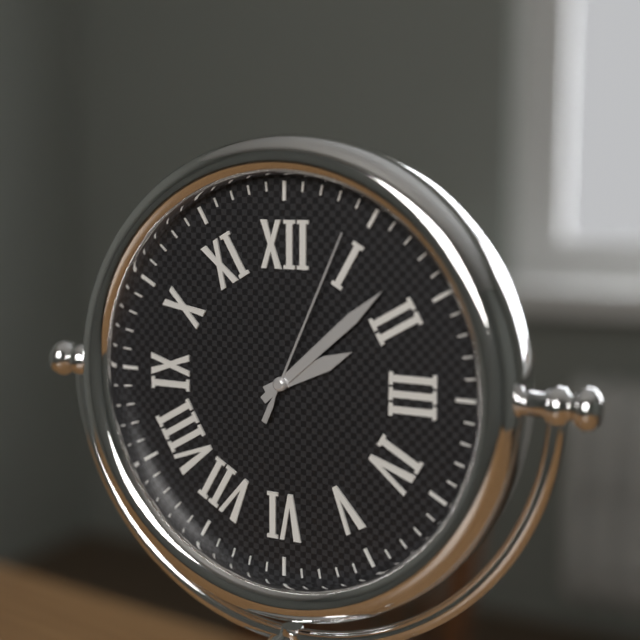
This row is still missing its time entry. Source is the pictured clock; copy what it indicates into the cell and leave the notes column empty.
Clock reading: 2:08:04
